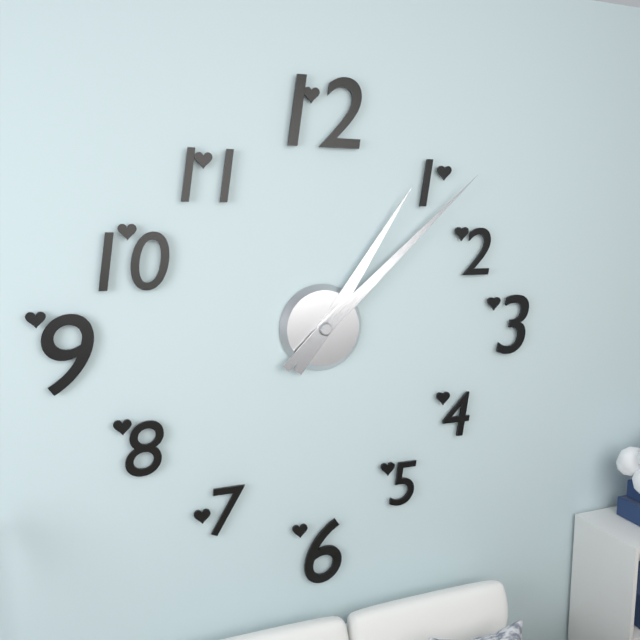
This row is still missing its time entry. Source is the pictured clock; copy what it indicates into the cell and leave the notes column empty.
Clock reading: 1:08
